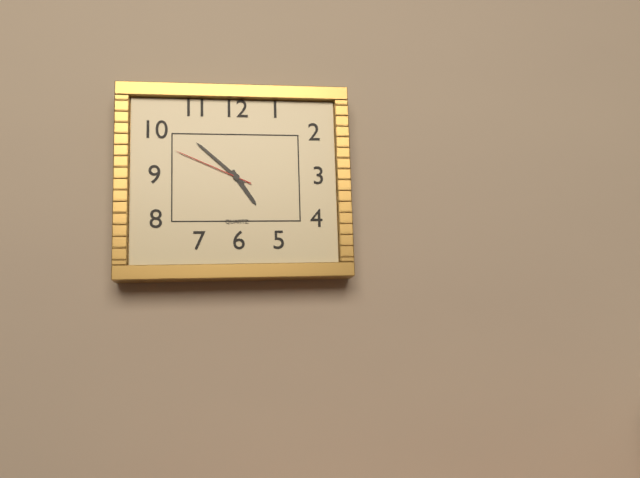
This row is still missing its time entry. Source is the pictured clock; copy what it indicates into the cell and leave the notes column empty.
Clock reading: 4:52:49
